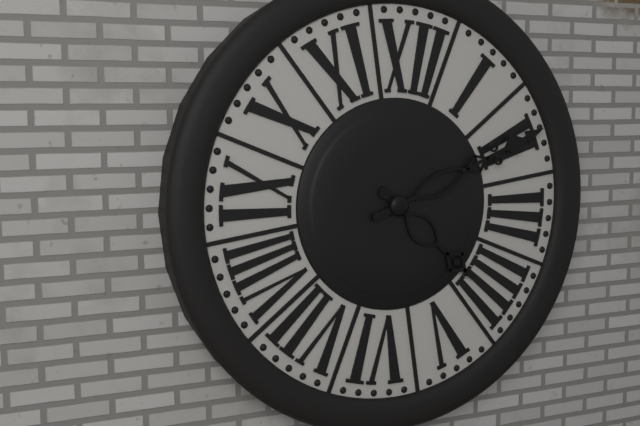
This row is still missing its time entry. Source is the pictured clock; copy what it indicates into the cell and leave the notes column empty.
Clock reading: 4:10
